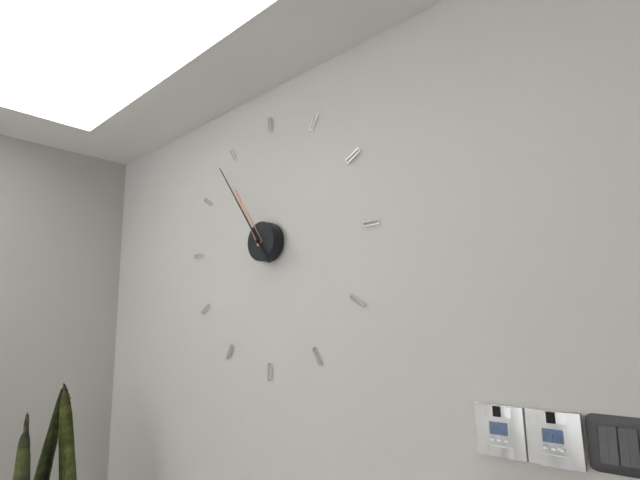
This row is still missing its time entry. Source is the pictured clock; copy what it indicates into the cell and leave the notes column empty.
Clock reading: 10:54
